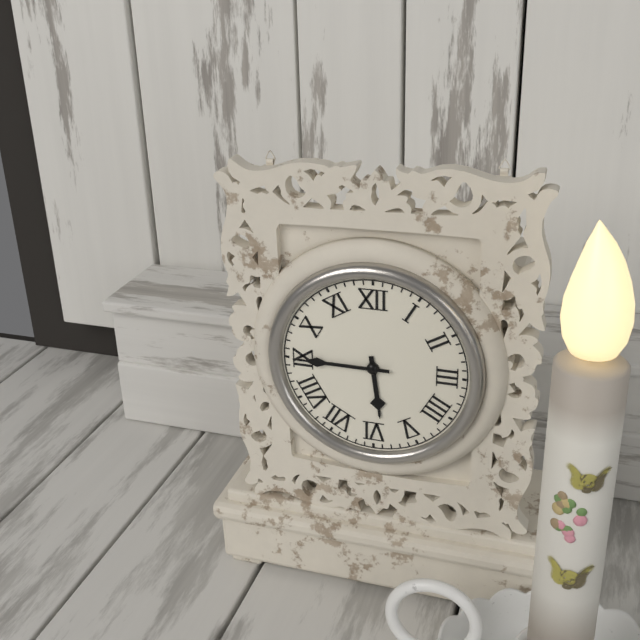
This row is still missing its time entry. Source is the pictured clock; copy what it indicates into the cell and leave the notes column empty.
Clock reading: 5:45
